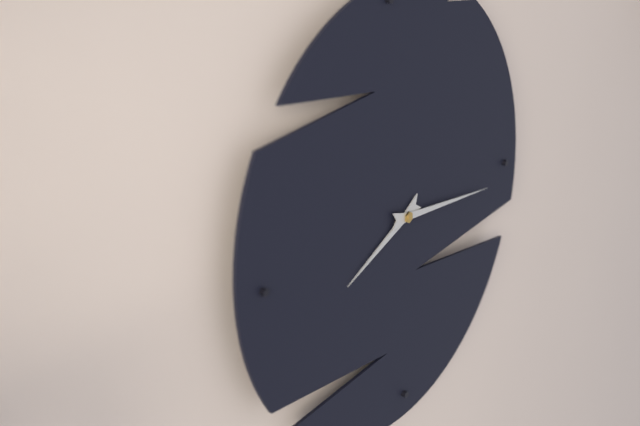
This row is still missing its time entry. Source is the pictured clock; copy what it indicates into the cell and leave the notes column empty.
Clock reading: 8:16
